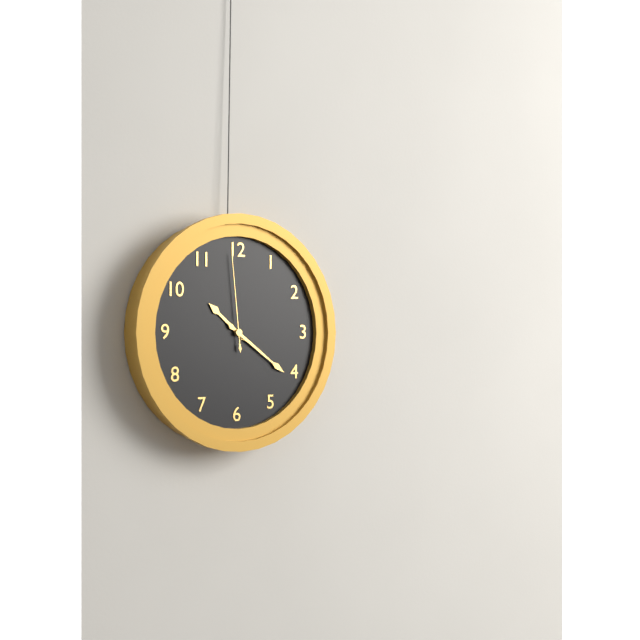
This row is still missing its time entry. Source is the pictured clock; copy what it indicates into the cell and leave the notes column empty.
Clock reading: 10:21:59
